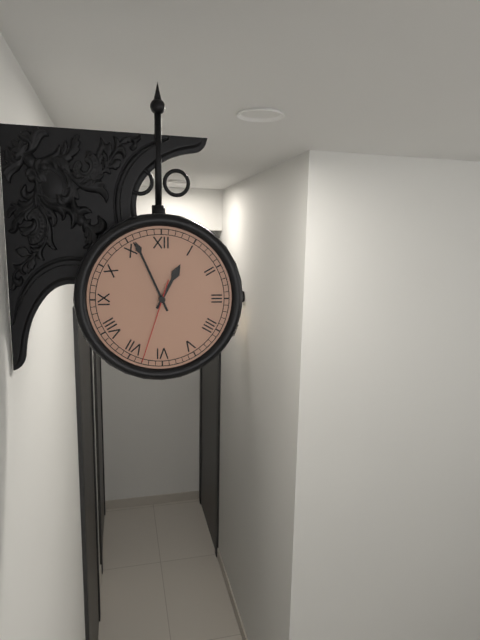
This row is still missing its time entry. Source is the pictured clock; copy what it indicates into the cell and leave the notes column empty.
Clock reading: 12:56:33
